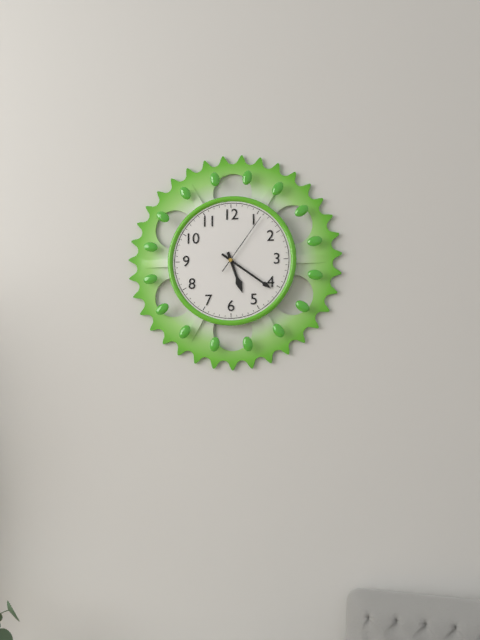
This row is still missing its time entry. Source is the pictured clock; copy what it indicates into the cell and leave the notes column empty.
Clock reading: 5:21:06
